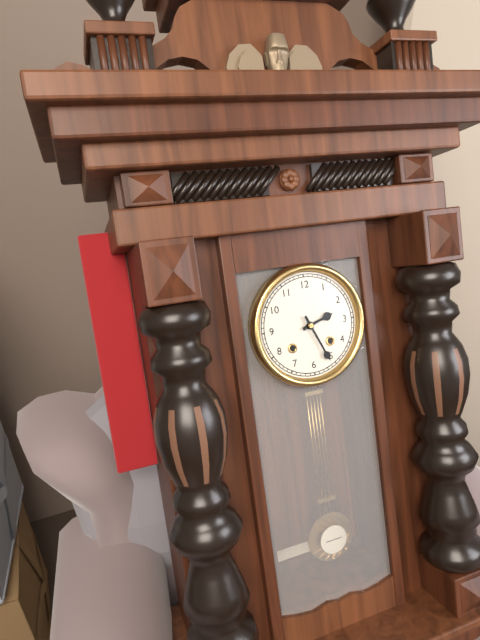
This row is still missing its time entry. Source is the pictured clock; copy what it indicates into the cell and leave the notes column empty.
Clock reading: 2:26
